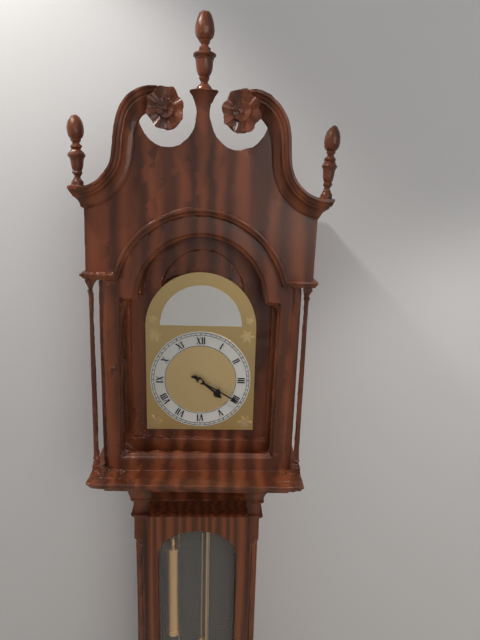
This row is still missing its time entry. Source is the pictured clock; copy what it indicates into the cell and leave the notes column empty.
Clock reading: 4:20
